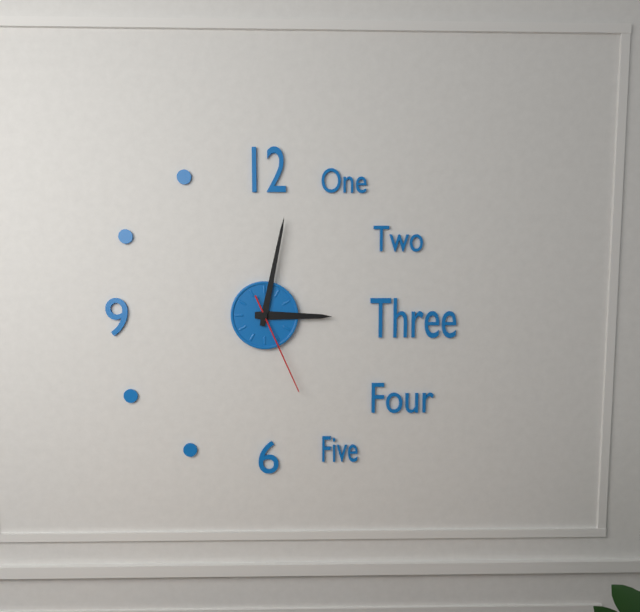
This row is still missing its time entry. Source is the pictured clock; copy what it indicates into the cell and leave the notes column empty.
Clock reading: 3:02:26
